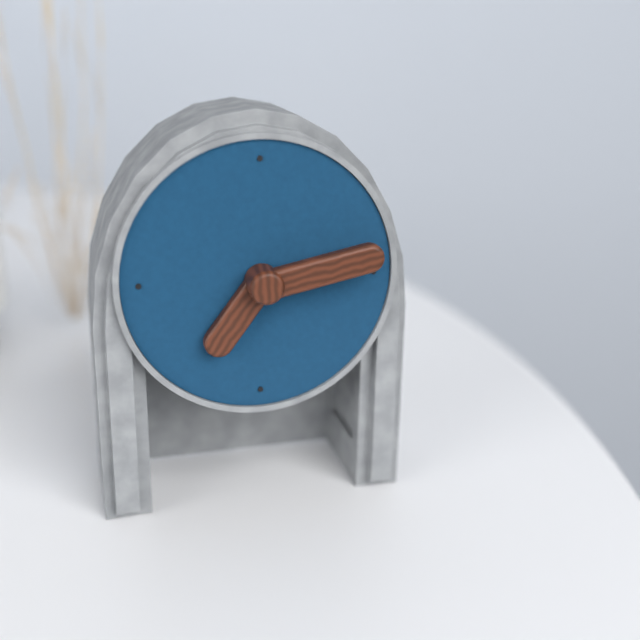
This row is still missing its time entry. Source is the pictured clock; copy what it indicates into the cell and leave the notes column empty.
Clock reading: 7:13
